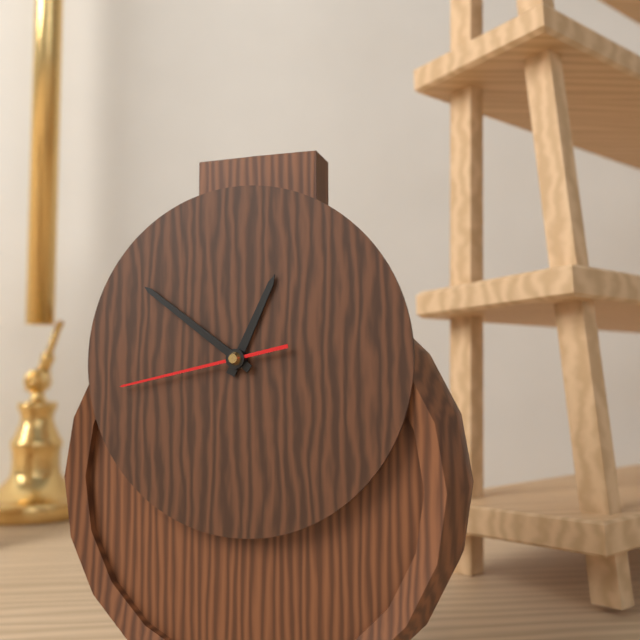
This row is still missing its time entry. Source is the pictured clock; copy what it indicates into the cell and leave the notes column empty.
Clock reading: 12:51:43
